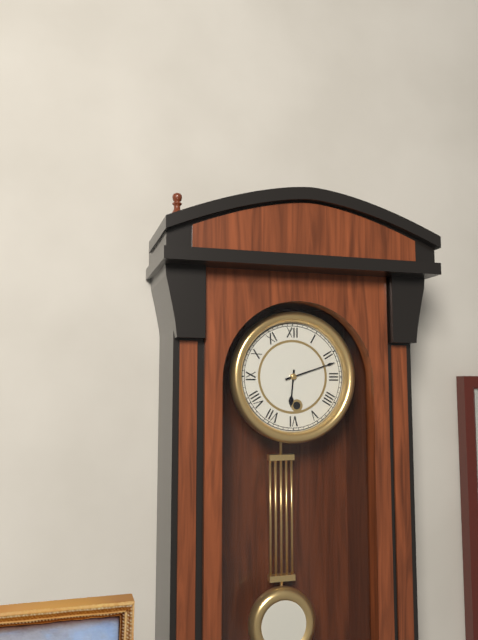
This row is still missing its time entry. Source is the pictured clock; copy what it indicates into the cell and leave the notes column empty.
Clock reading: 6:12
